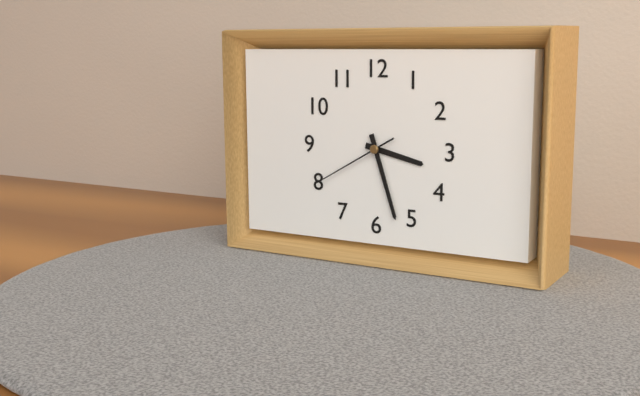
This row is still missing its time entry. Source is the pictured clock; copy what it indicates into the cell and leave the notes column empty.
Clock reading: 3:27:40
